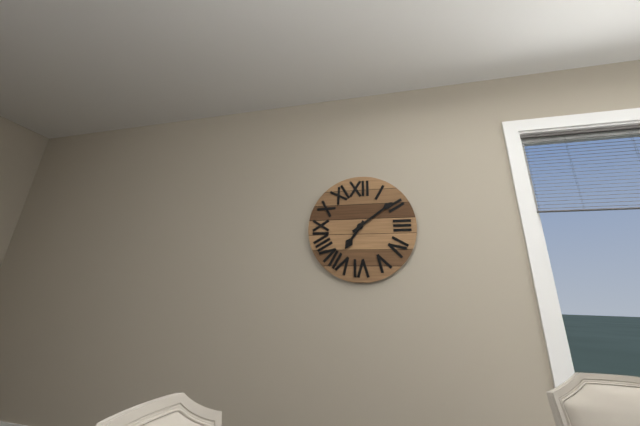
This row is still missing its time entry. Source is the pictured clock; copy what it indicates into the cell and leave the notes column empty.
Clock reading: 7:09
